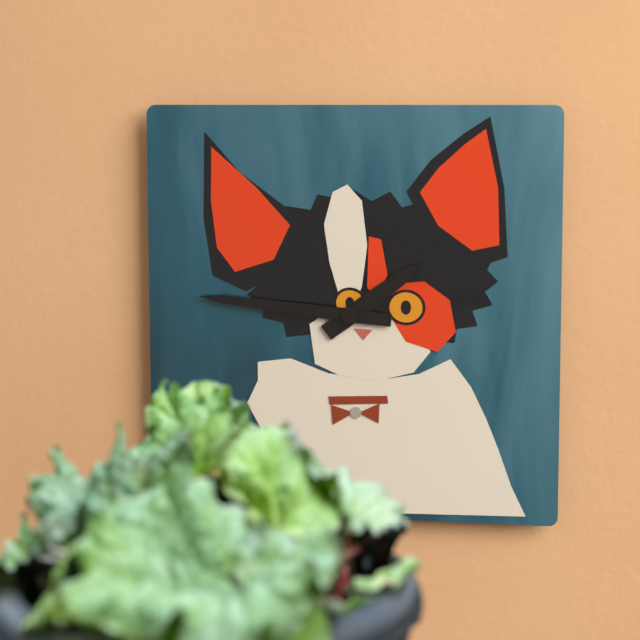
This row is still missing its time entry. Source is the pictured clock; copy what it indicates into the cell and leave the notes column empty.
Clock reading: 1:46
